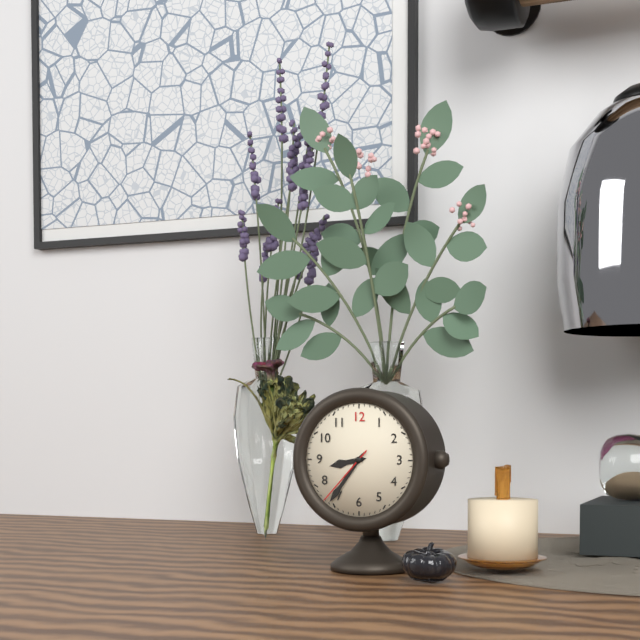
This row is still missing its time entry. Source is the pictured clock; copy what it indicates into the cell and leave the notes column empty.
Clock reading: 8:36:37
